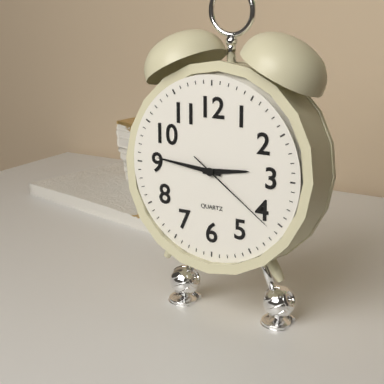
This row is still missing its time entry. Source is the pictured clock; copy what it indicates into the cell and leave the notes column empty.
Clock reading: 2:46:21
